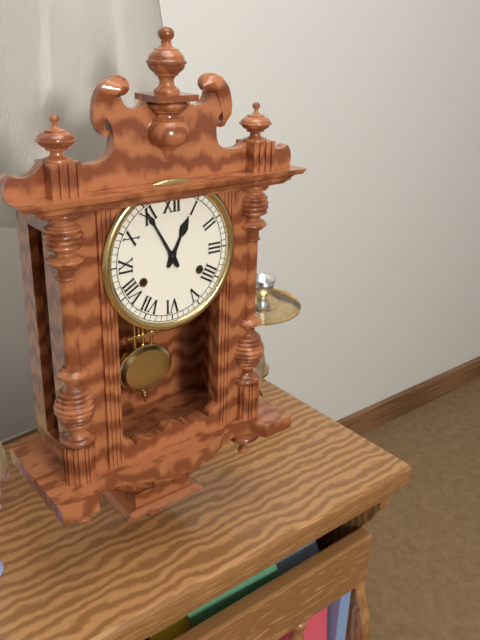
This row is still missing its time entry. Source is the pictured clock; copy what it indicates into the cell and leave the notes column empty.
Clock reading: 12:55
